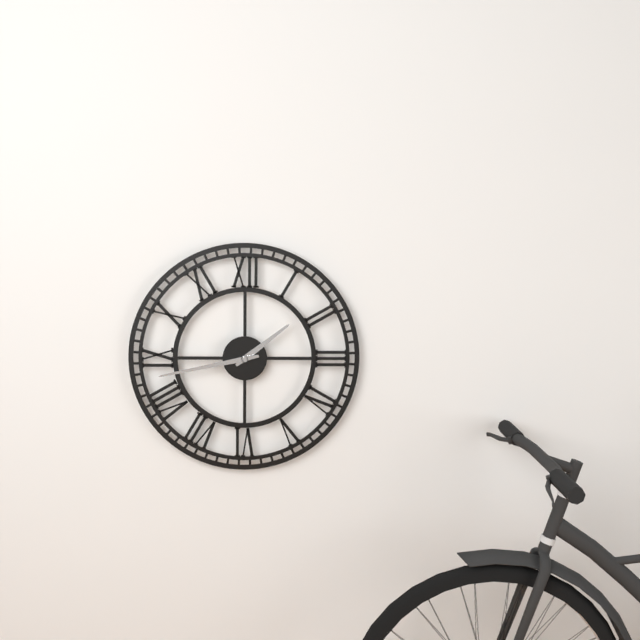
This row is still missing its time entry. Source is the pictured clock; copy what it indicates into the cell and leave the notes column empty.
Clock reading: 1:43
